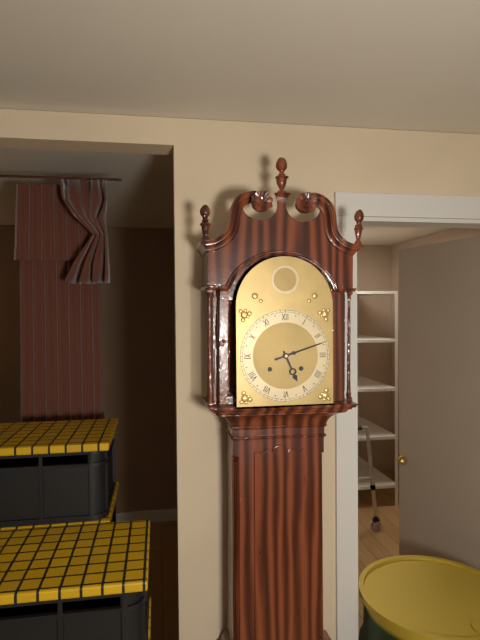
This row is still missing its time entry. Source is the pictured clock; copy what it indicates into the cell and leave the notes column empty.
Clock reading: 5:12
